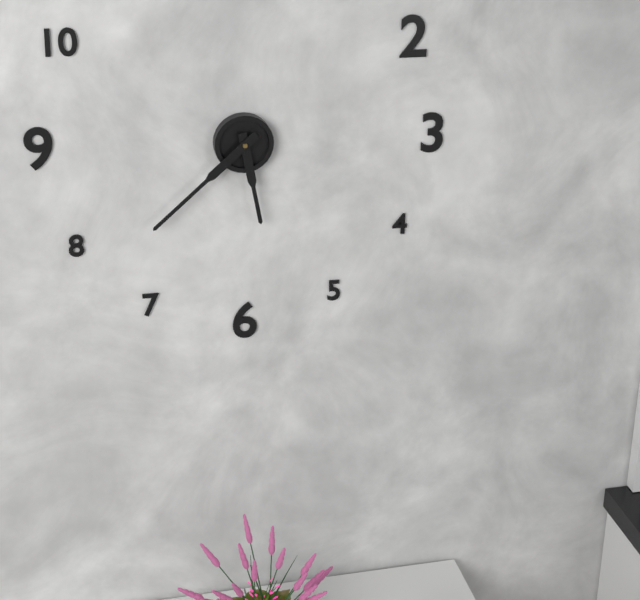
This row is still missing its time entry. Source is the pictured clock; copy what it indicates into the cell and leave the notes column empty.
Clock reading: 5:38
